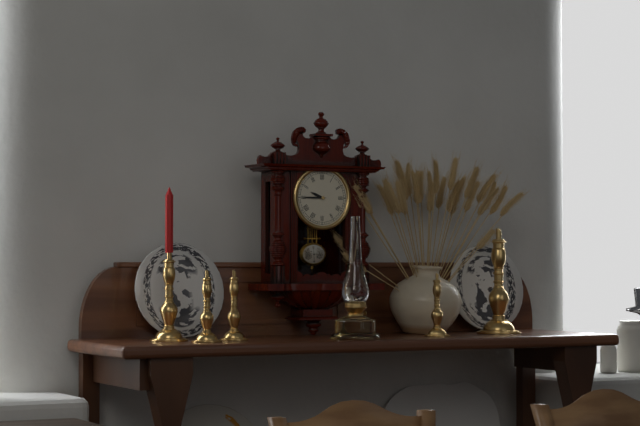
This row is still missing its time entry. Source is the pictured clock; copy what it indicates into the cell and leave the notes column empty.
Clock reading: 9:45
